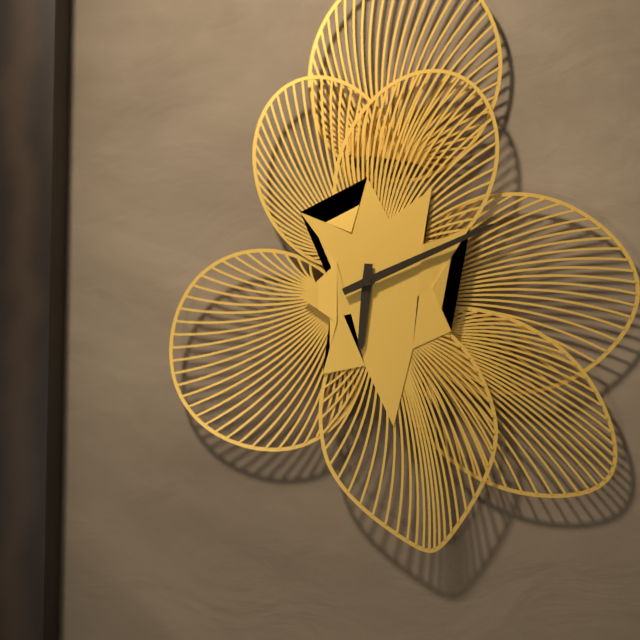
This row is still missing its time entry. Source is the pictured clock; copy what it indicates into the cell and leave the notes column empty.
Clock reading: 6:11
